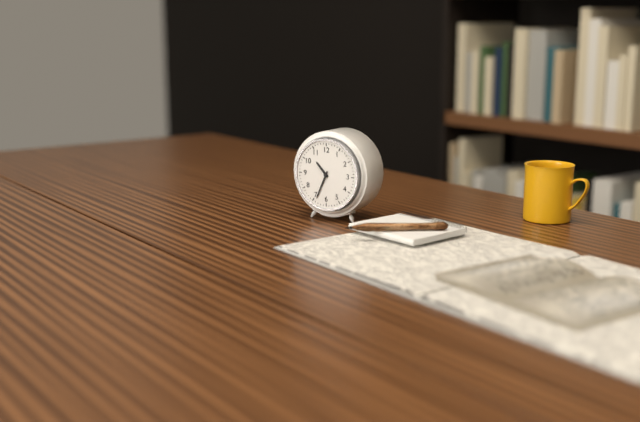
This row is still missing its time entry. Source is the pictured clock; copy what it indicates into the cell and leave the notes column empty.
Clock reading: 10:34
